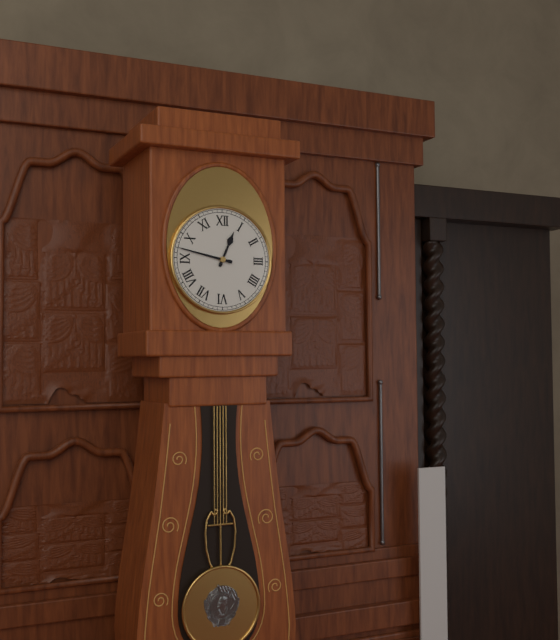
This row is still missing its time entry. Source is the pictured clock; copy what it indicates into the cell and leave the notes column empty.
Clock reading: 12:47
